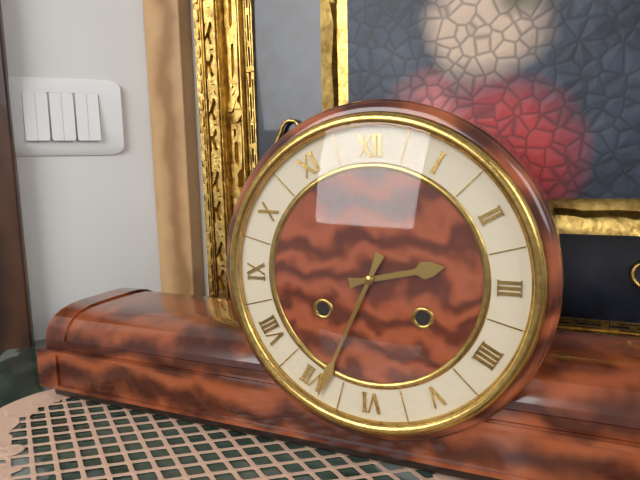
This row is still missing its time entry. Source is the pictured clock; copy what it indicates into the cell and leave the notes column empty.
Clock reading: 2:34
